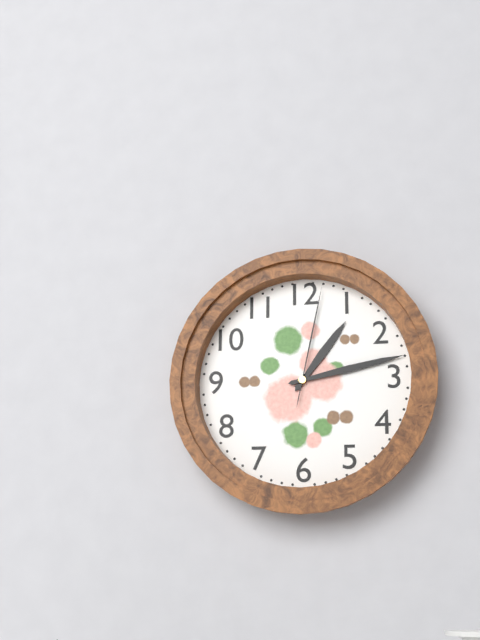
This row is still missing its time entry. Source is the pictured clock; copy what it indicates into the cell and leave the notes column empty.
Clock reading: 1:13:02
